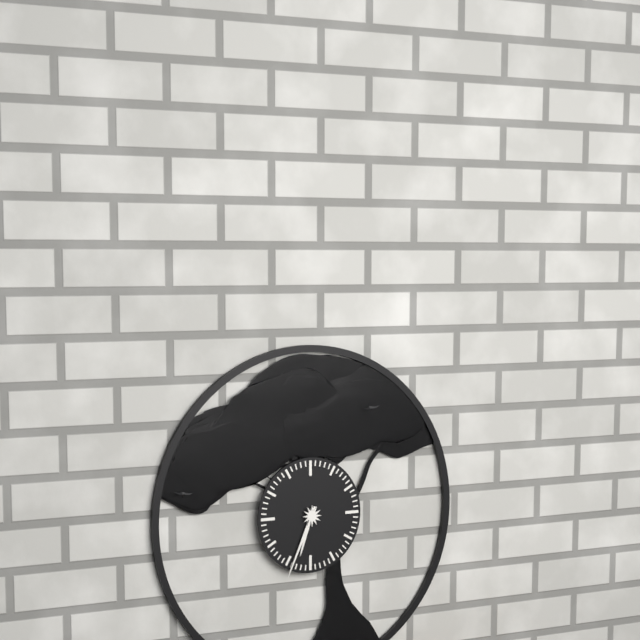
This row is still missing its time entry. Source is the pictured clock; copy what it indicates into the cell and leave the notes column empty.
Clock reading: 6:34
